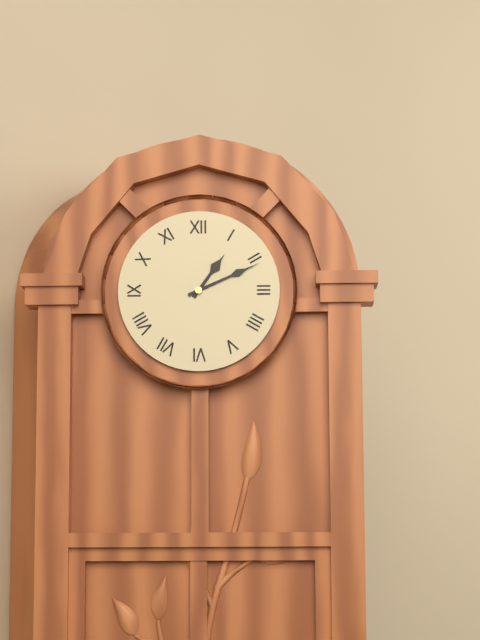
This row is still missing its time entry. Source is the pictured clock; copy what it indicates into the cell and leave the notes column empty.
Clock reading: 1:11
